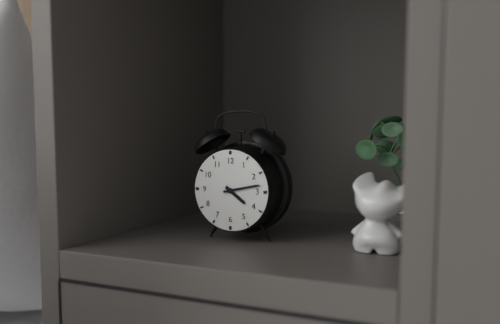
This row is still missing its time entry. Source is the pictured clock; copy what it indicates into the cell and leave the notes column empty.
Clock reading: 4:13
